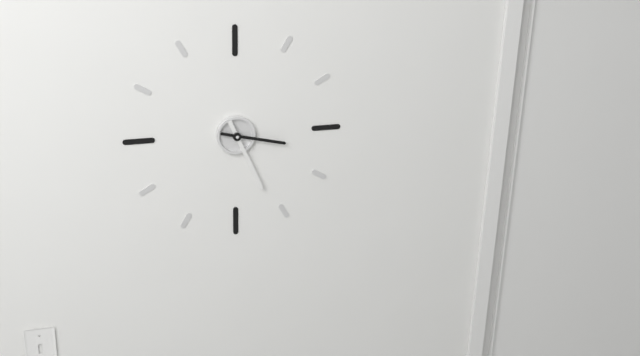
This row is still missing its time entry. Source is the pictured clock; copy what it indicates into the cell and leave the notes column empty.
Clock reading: 3:26
